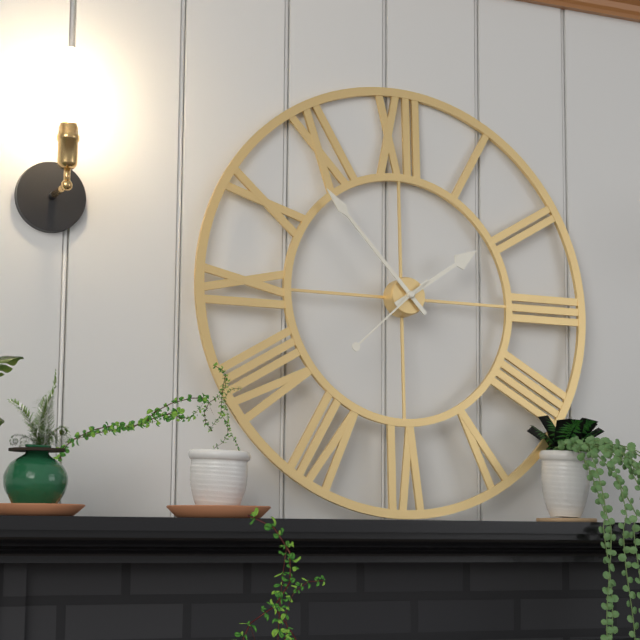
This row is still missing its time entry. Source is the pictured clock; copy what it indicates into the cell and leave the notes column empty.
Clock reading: 1:53:38
